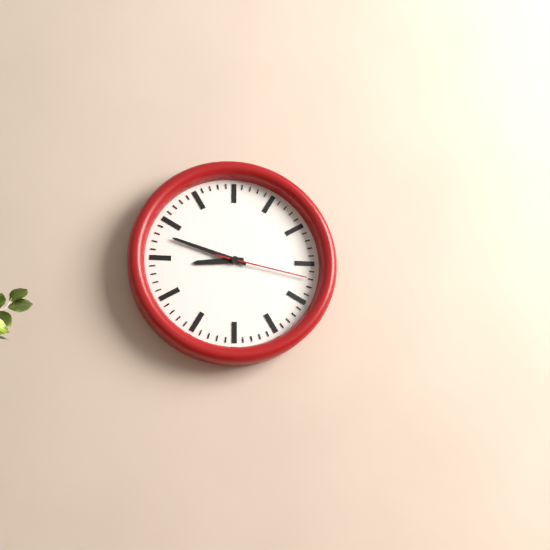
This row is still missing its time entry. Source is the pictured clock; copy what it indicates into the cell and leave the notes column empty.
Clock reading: 8:48:17
